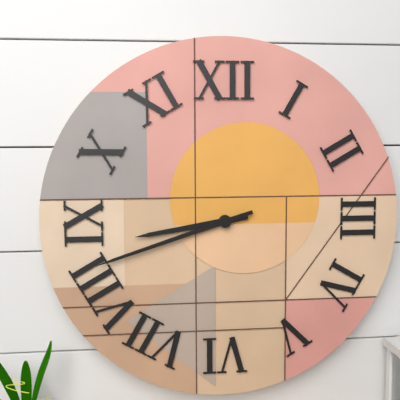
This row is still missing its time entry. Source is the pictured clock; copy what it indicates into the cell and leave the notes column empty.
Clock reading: 8:42
